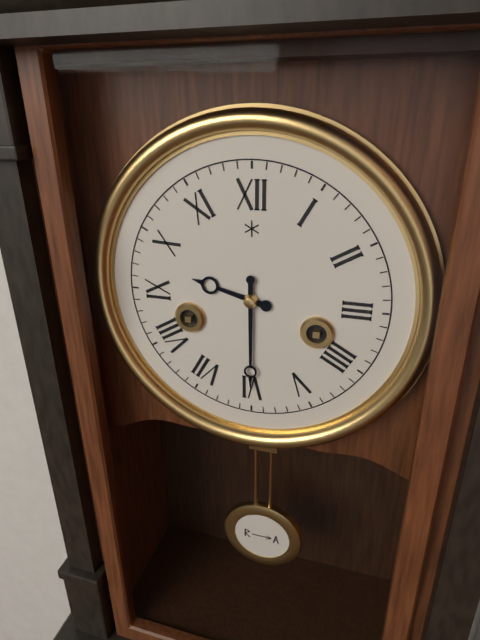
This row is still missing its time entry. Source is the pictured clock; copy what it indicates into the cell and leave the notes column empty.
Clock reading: 9:30
